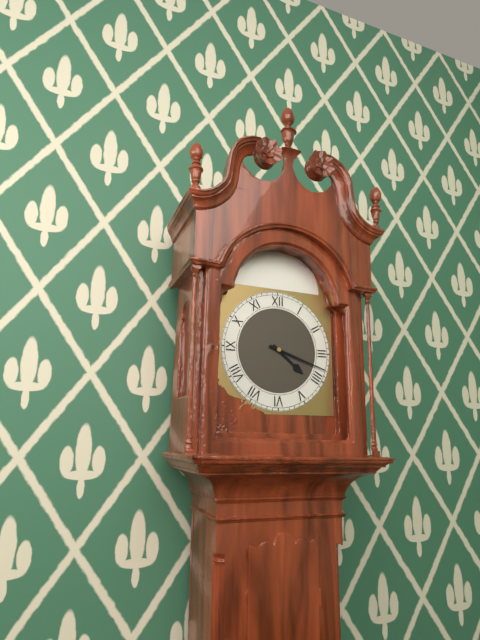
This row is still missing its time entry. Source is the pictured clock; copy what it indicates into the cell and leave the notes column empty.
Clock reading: 4:18
